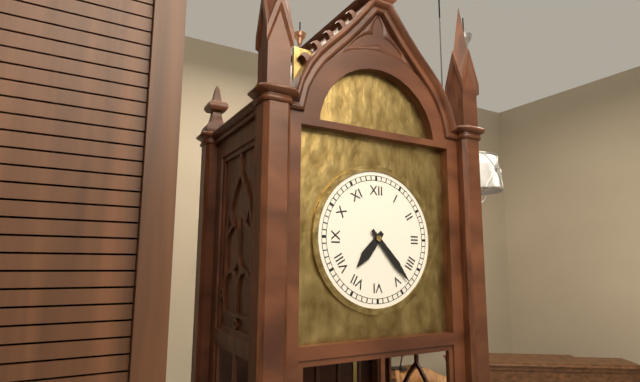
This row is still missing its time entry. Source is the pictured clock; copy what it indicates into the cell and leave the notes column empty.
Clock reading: 7:23
